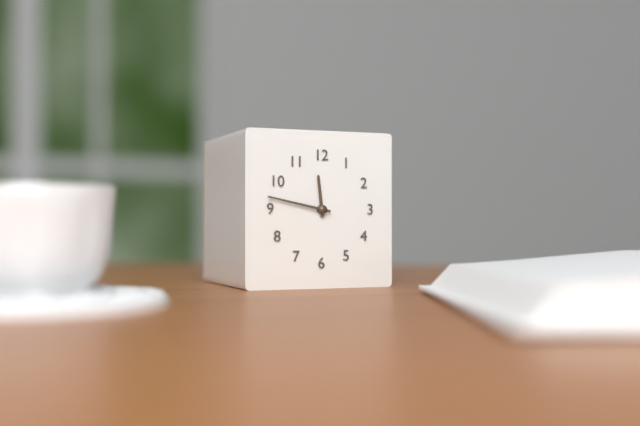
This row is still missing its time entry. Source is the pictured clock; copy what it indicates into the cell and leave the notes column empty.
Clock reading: 11:47
